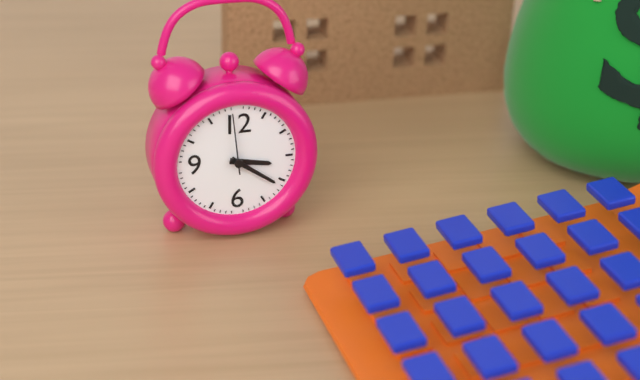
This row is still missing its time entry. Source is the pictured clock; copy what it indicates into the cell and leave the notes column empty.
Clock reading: 3:21:59
